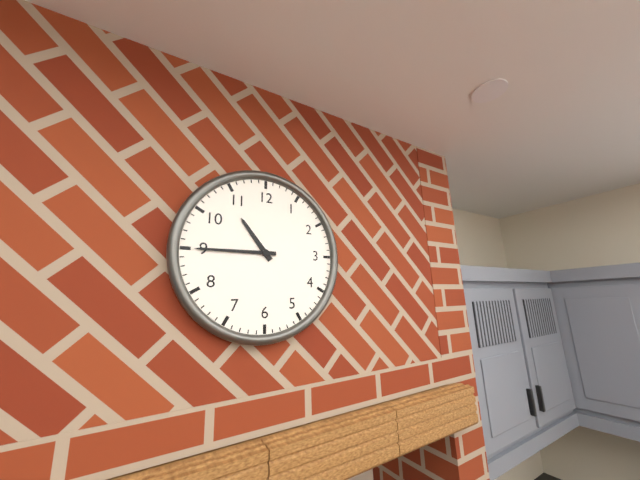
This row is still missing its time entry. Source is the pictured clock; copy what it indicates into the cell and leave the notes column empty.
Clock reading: 10:45
